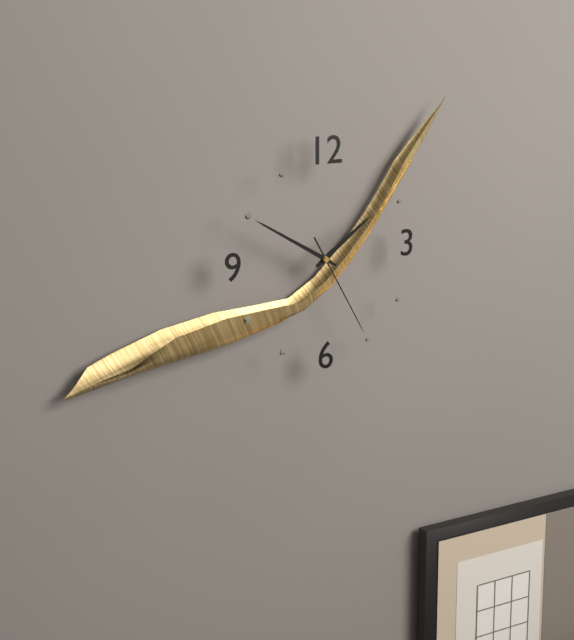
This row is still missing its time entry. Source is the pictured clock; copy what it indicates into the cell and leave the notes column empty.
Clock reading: 1:50:25
